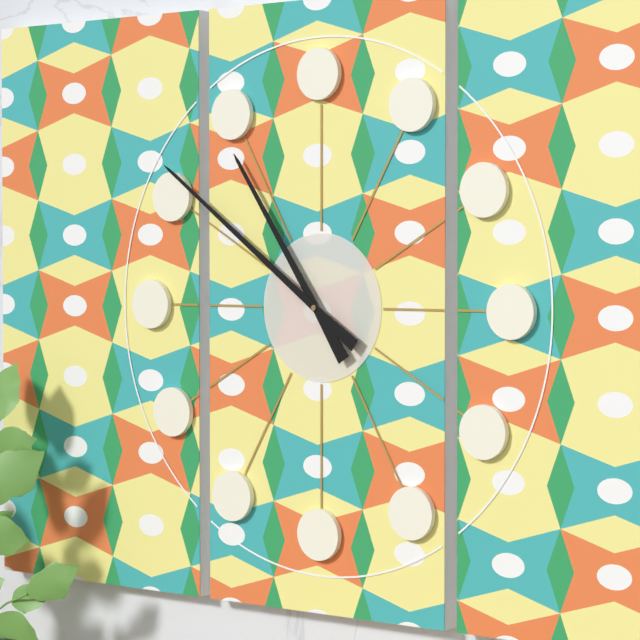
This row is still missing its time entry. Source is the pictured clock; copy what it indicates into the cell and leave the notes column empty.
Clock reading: 10:51
